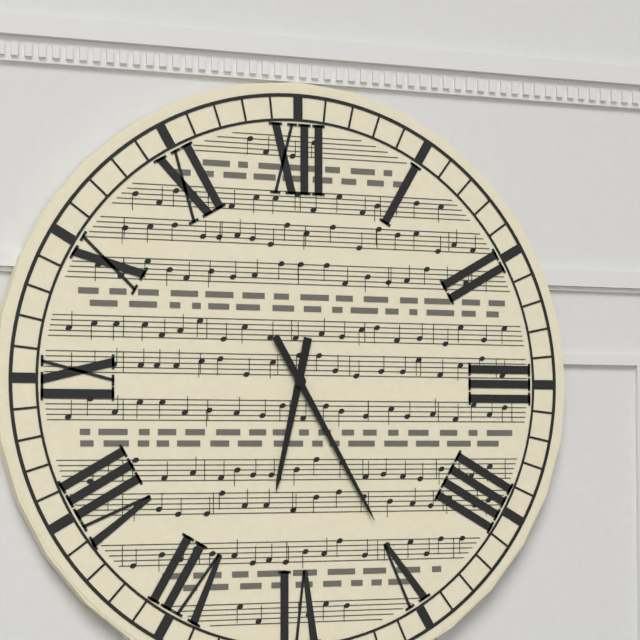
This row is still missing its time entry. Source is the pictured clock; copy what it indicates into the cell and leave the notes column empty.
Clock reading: 6:25
